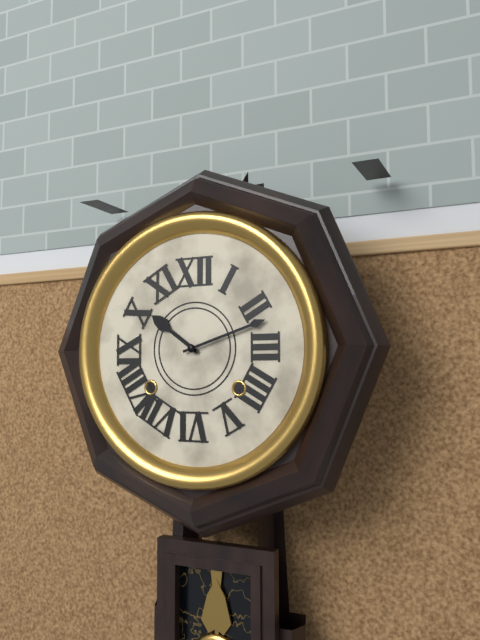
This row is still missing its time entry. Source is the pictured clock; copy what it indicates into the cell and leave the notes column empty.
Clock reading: 10:12
